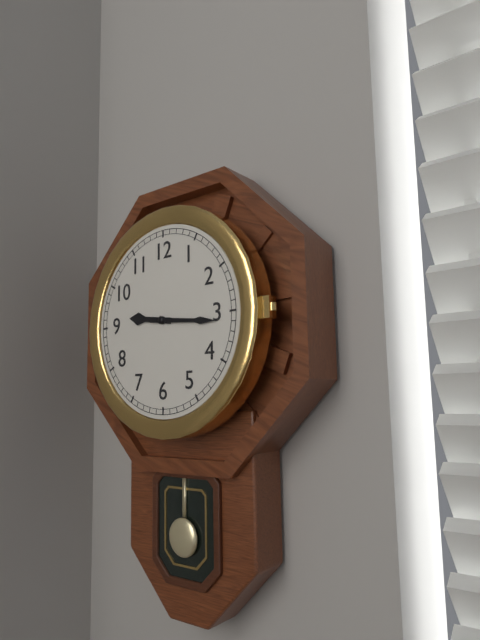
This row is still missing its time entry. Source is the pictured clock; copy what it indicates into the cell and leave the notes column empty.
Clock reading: 9:16
